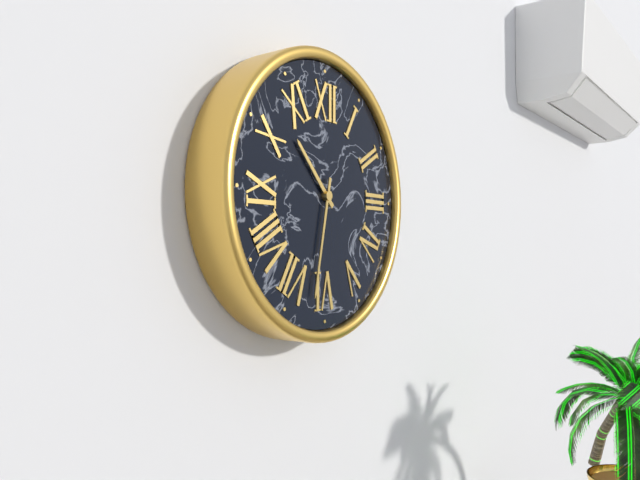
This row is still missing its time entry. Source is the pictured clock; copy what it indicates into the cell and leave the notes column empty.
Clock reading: 10:32
